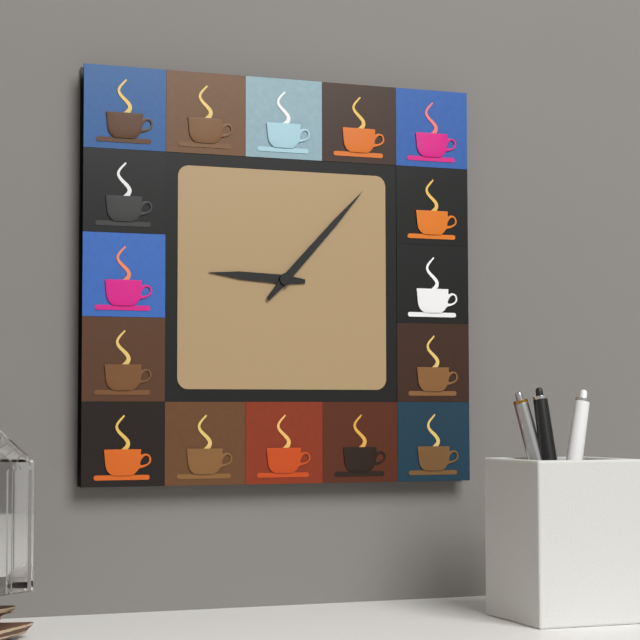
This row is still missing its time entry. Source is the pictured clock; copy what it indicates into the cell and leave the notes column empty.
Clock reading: 9:07
